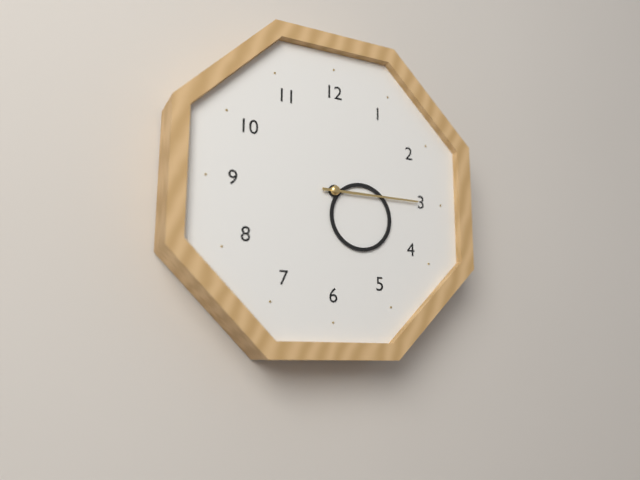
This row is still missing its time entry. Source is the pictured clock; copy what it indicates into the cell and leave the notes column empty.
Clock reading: 4:15
